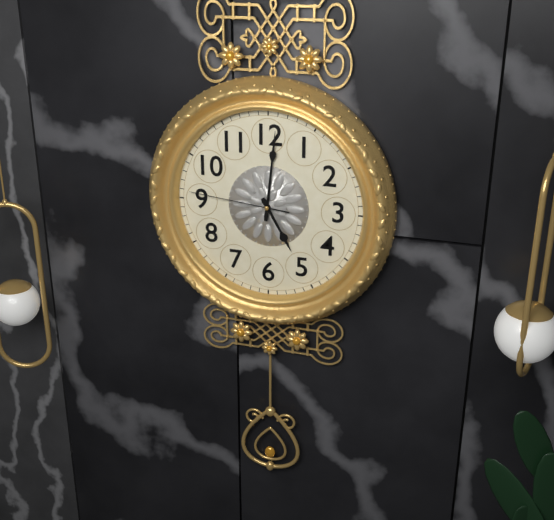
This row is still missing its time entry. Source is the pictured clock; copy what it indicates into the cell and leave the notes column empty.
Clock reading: 5:01:46
